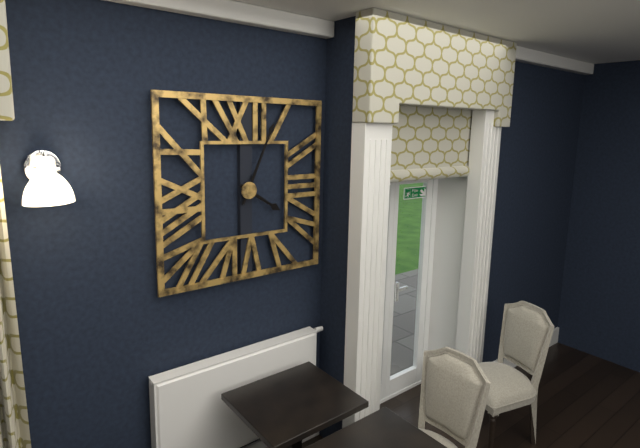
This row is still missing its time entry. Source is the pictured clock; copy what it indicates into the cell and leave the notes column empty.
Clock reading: 4:04
